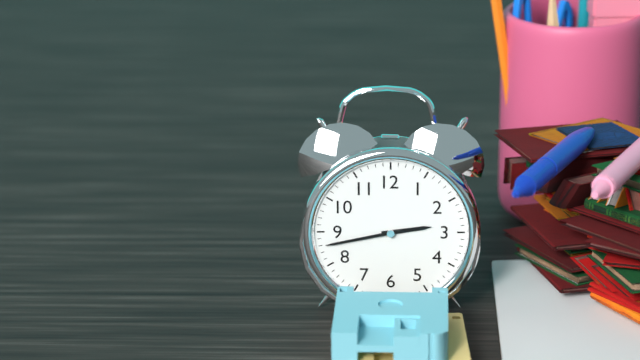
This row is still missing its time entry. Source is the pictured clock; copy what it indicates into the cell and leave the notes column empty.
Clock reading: 2:43
